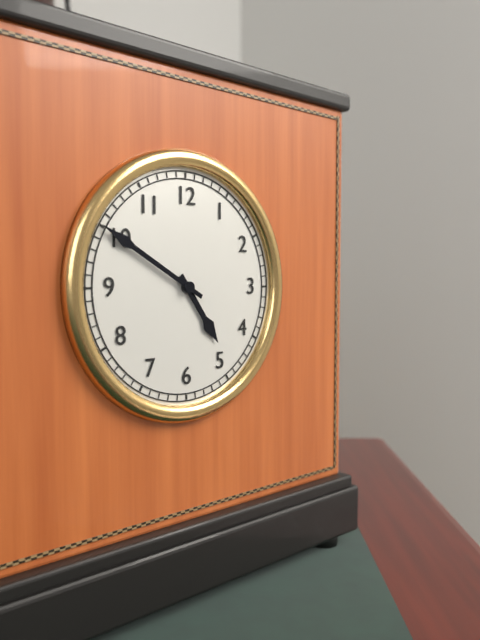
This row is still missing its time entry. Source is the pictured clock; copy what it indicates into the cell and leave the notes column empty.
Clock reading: 4:50
